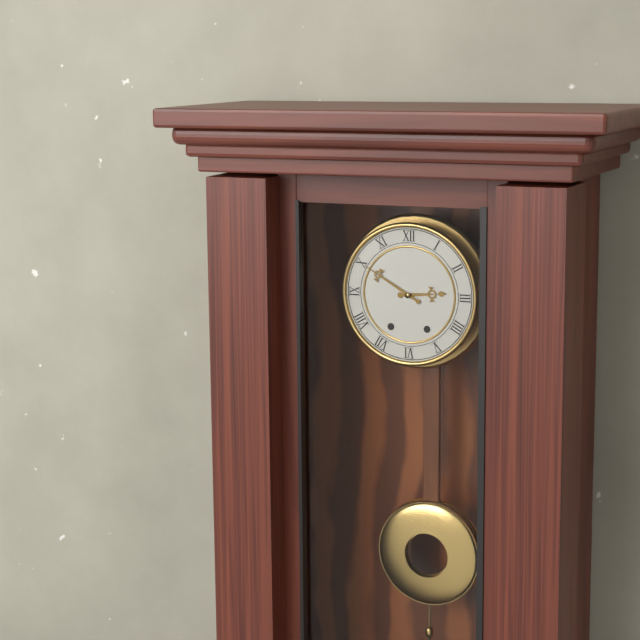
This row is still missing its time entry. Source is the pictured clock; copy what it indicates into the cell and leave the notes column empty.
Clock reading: 2:50
